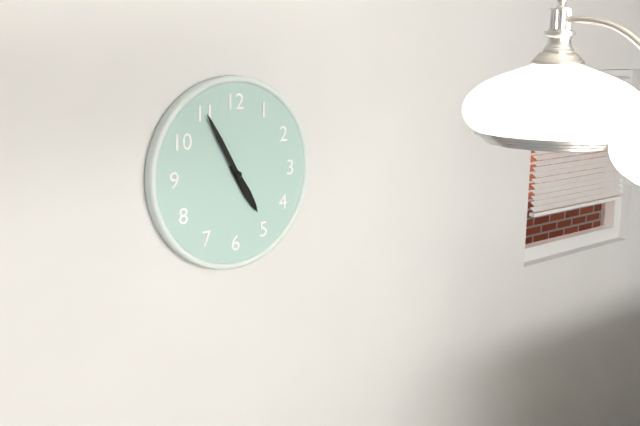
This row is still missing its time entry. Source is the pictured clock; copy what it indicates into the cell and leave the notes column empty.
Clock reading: 4:55
